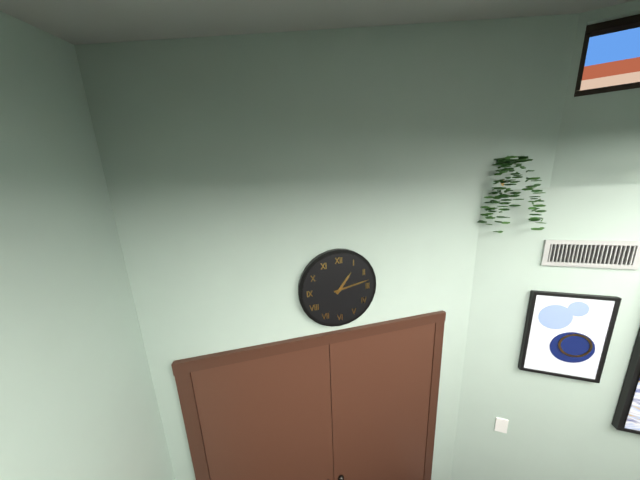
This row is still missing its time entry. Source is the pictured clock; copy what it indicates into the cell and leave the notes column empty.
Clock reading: 1:13
